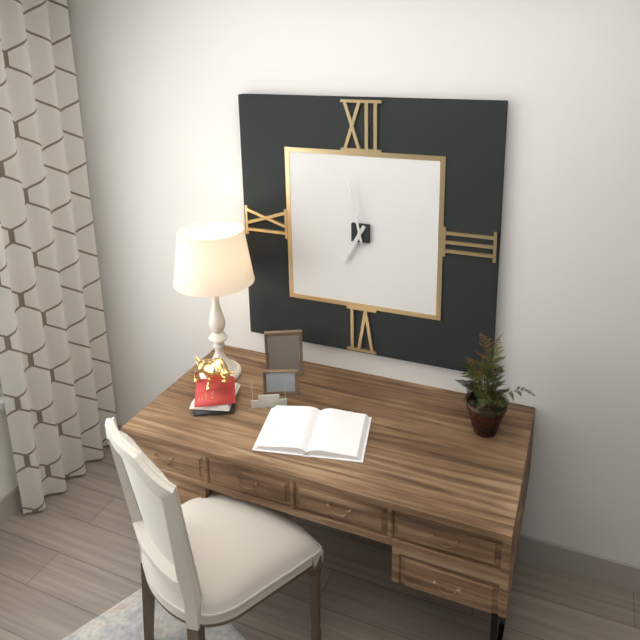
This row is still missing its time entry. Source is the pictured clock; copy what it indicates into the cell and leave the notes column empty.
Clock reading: 6:58
